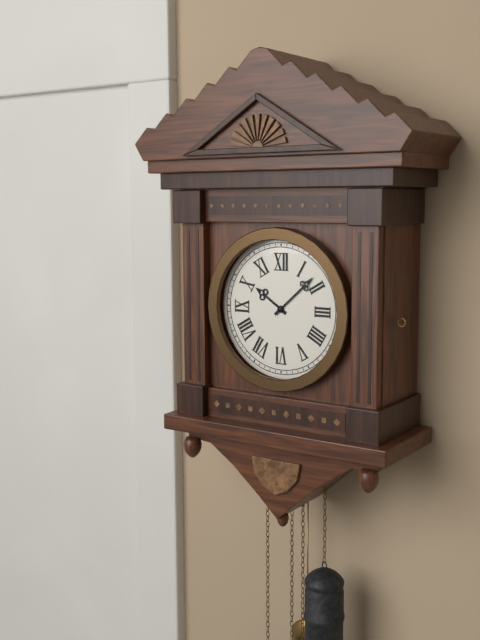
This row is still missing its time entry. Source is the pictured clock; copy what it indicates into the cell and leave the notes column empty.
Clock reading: 10:08
